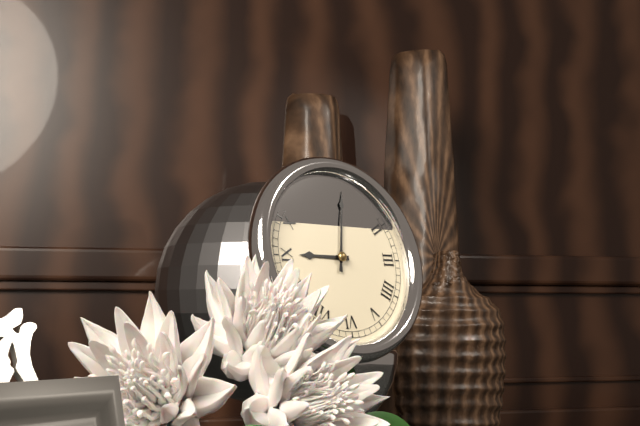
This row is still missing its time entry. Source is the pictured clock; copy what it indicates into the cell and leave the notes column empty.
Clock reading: 9:02
